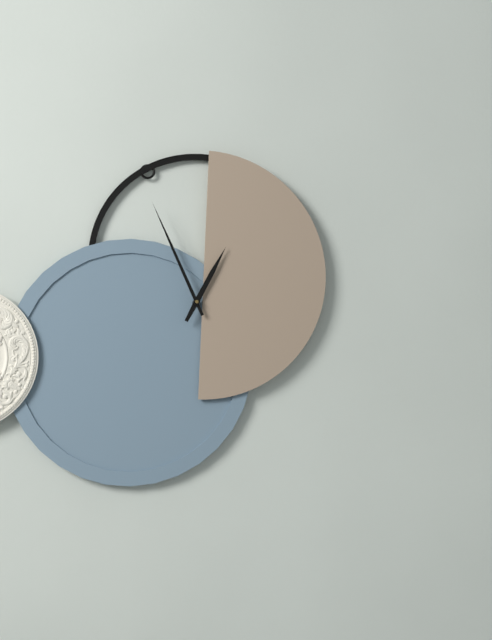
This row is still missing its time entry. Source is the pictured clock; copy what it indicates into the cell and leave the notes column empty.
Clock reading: 12:56
